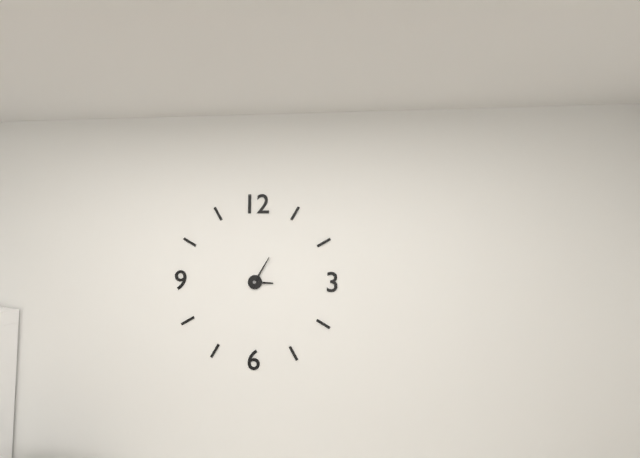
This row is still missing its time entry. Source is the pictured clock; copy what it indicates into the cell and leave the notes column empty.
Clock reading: 3:05
